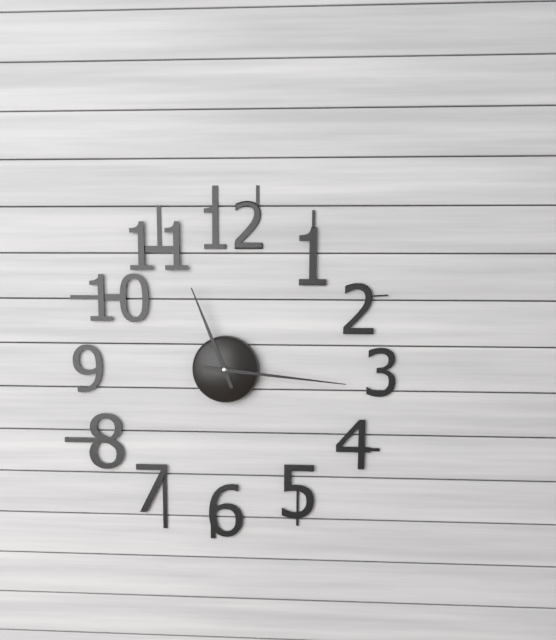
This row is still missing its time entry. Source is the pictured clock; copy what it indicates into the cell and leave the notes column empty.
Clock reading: 11:16
